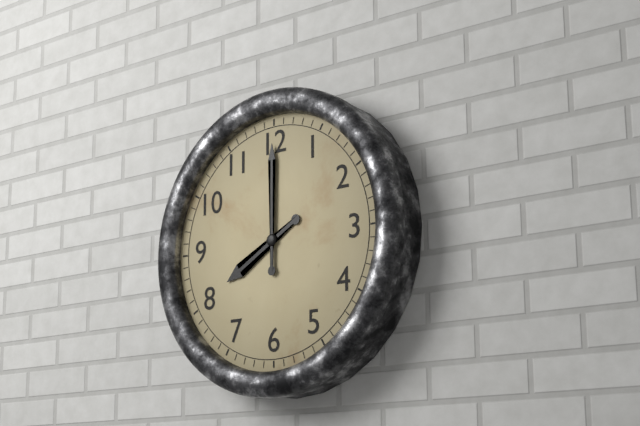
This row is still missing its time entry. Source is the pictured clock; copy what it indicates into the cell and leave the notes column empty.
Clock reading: 8:00
